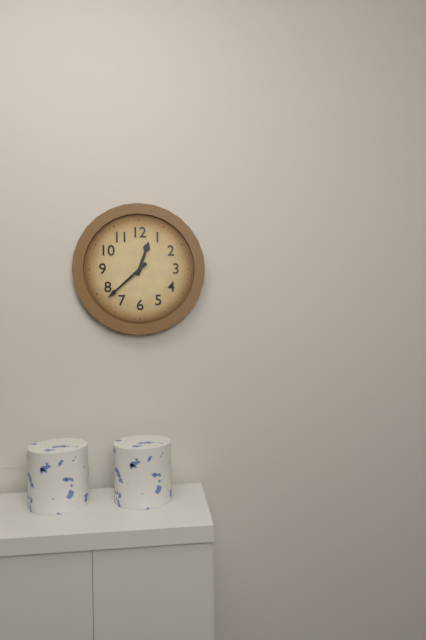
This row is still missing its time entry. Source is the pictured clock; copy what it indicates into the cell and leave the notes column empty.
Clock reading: 12:38
